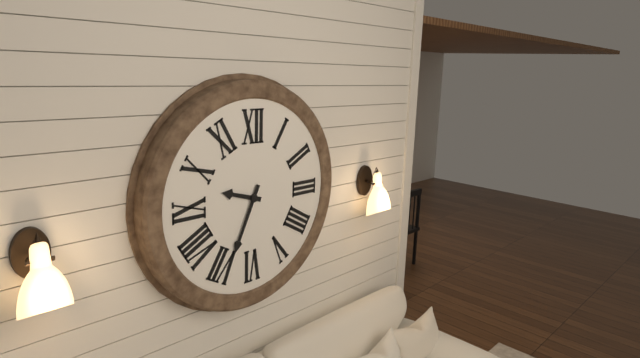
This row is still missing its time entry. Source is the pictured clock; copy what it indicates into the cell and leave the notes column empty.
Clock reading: 9:34
